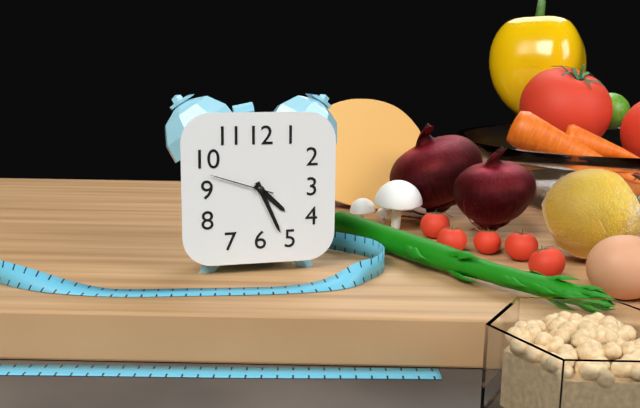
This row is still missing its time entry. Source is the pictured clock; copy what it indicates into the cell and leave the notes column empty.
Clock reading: 4:26:48
